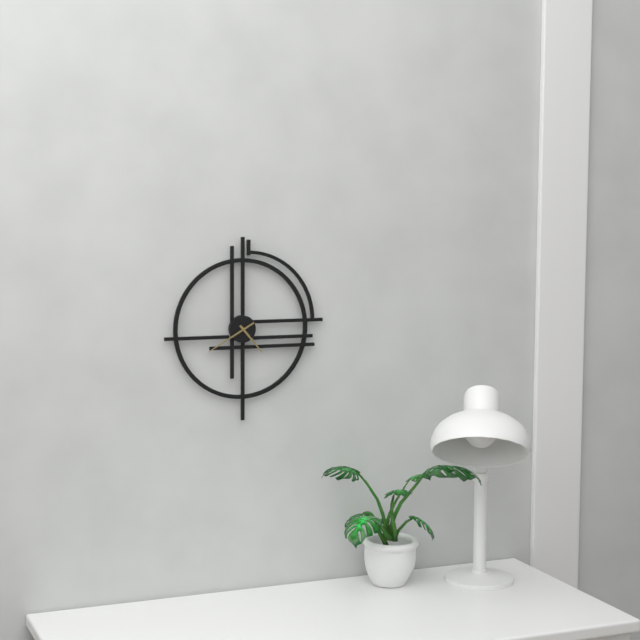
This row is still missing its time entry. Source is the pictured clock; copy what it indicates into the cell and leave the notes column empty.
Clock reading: 4:40
